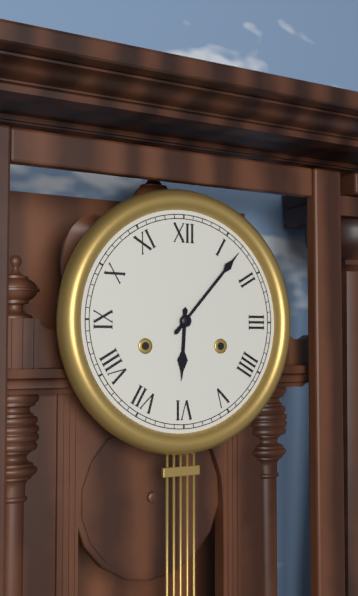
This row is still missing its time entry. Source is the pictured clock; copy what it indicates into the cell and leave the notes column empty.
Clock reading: 6:07
